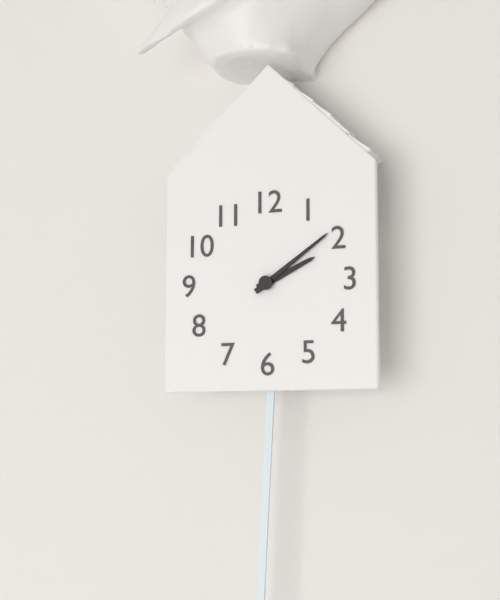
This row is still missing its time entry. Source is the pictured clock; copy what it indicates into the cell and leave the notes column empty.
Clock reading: 2:09
